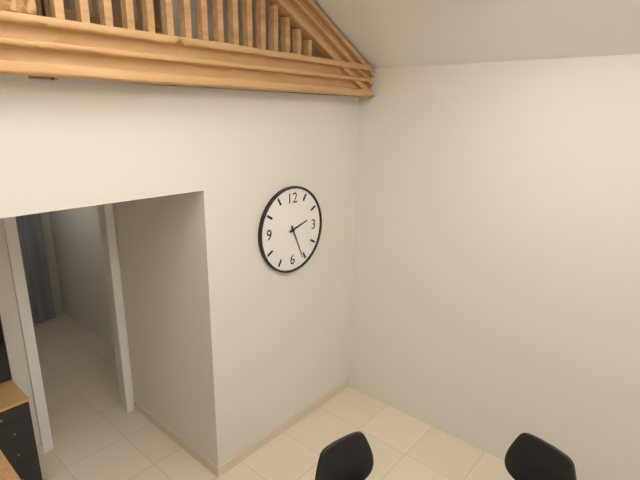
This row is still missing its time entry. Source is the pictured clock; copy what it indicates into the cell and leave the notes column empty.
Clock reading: 2:26
